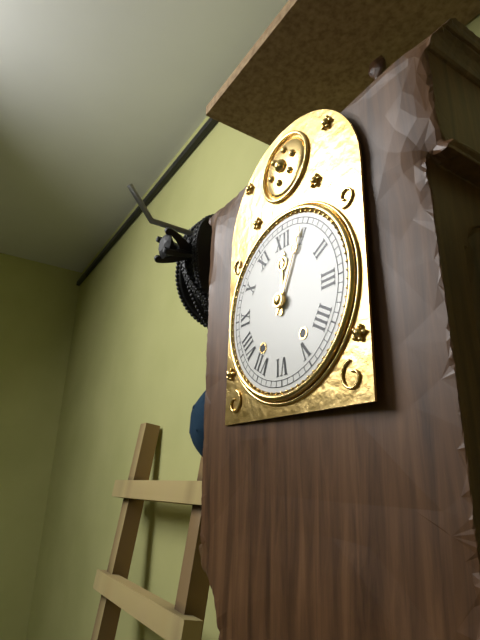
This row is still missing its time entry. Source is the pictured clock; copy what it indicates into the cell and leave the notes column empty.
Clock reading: 12:04
